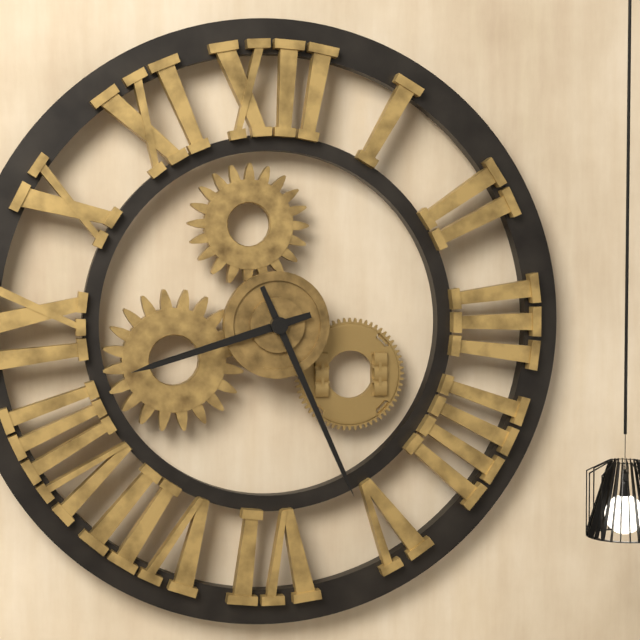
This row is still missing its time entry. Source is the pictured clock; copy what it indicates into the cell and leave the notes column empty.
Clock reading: 8:26
